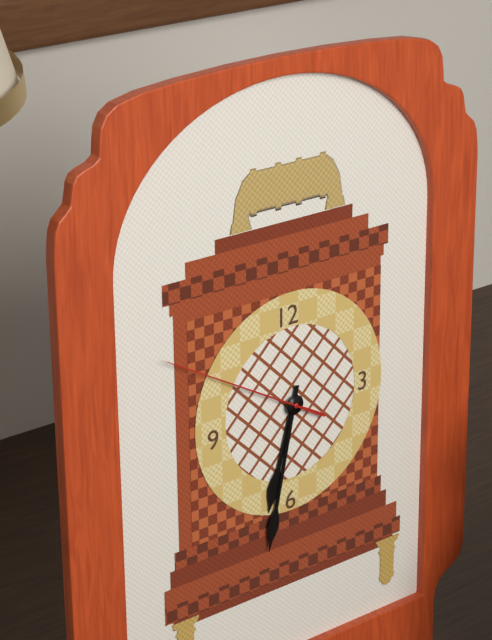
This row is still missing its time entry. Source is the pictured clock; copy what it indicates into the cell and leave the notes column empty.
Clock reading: 6:32:50
